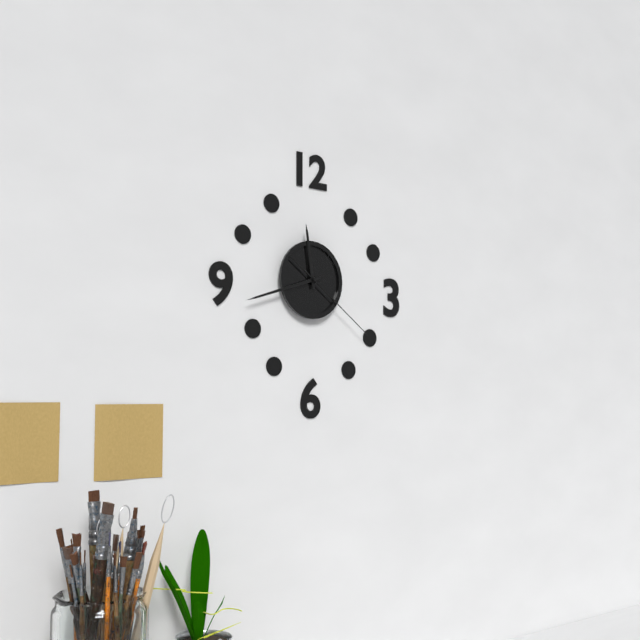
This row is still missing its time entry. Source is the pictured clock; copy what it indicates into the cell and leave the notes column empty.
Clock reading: 11:42:21
